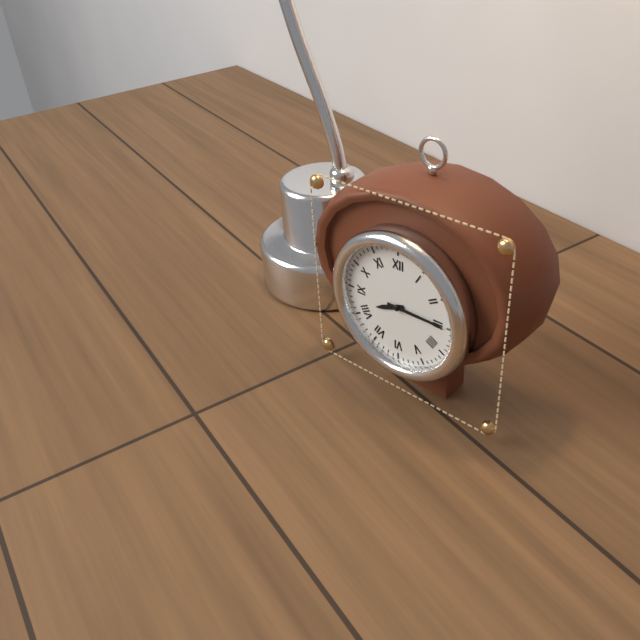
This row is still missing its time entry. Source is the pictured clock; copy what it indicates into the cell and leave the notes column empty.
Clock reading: 8:15
